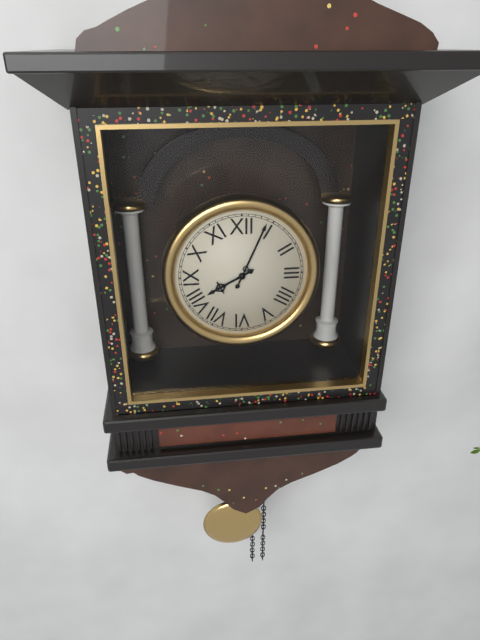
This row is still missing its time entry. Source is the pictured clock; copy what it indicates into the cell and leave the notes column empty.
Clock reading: 8:04
